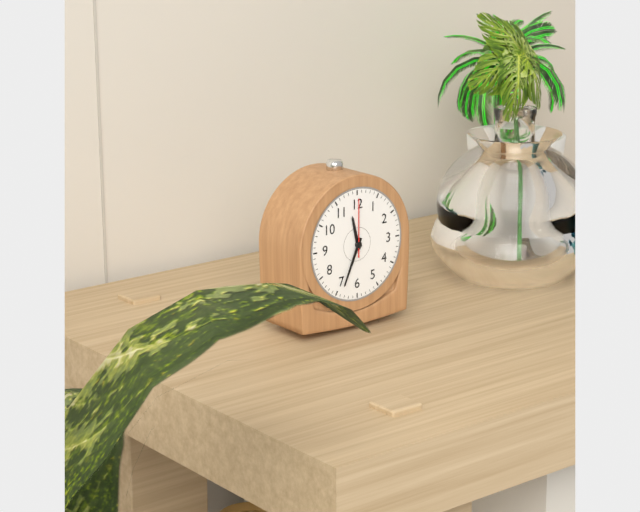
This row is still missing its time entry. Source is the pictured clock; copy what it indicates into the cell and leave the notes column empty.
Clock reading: 11:34:00
